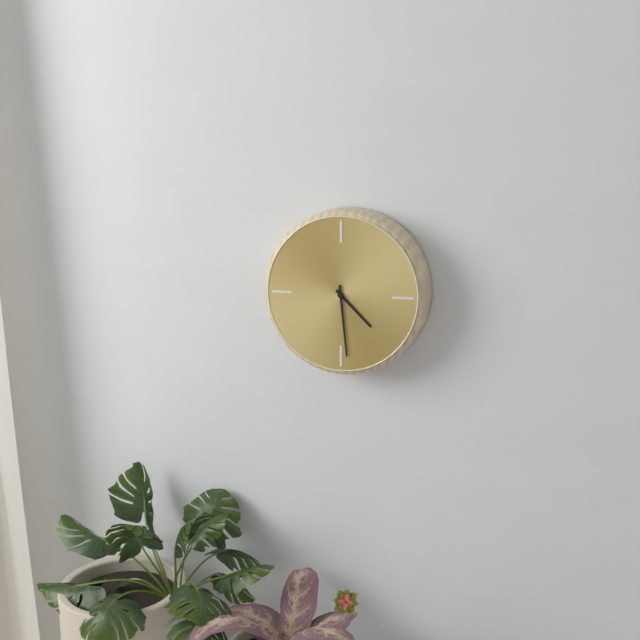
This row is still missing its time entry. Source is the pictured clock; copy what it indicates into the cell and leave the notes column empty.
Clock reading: 4:29
